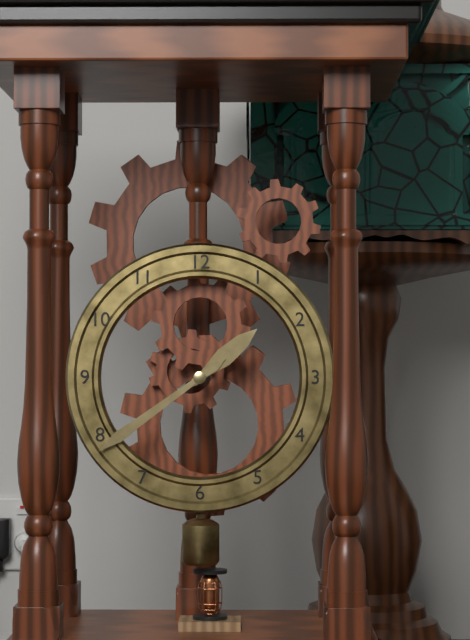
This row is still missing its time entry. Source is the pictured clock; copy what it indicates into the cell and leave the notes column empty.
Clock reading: 1:39
